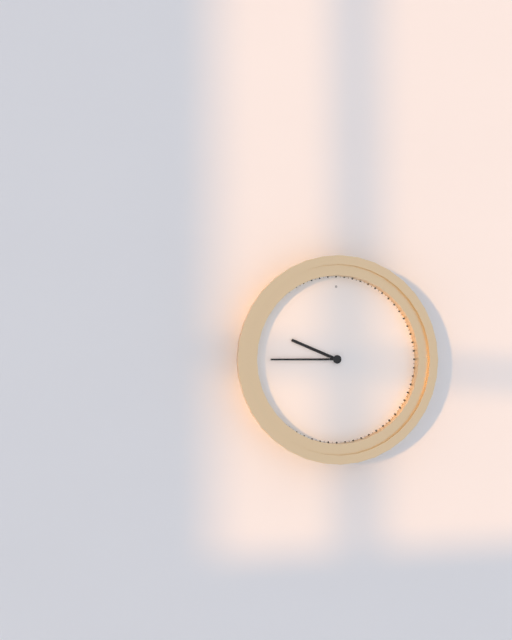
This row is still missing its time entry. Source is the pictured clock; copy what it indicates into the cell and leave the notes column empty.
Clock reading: 9:45
